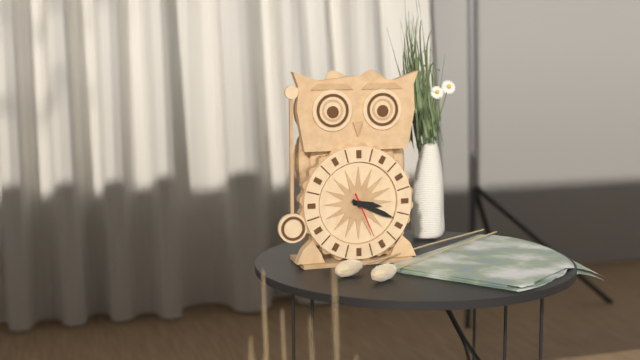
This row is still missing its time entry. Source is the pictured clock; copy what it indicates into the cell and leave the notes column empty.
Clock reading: 3:19
